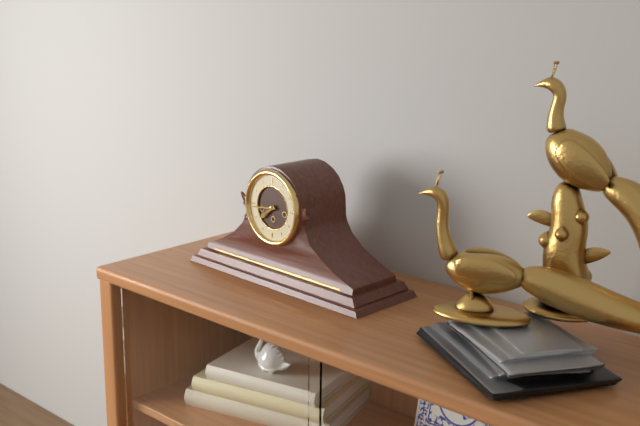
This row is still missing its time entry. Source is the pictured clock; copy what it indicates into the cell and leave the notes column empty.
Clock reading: 7:44
